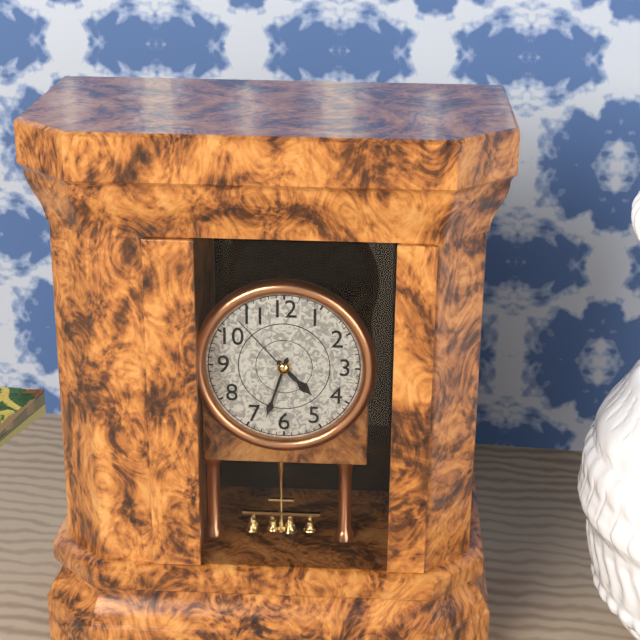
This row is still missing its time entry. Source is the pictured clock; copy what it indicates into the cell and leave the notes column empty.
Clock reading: 4:33:53
